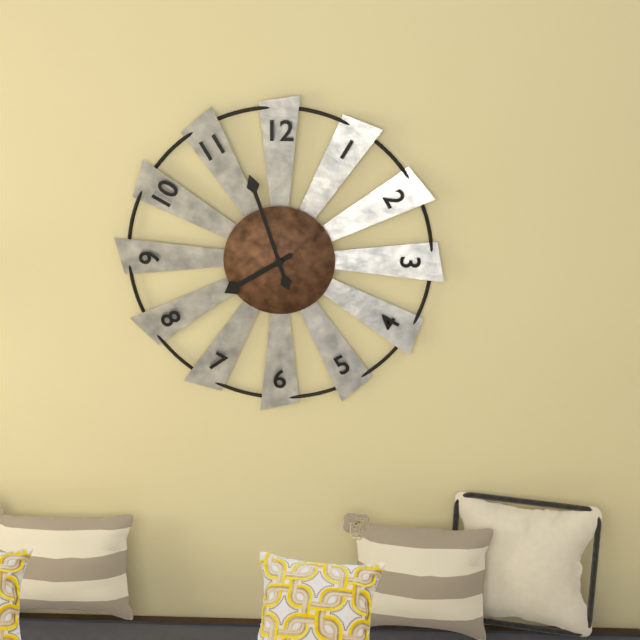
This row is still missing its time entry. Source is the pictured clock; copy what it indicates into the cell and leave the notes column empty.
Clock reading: 7:57
